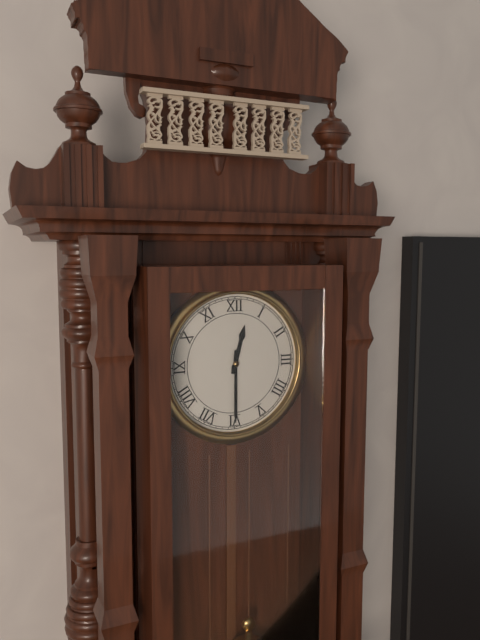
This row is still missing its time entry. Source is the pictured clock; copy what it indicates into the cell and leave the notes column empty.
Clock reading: 12:30
